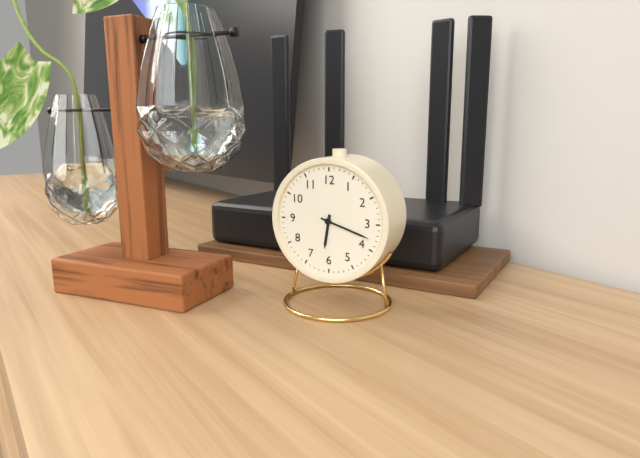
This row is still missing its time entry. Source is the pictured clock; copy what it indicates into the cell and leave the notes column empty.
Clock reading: 6:18
